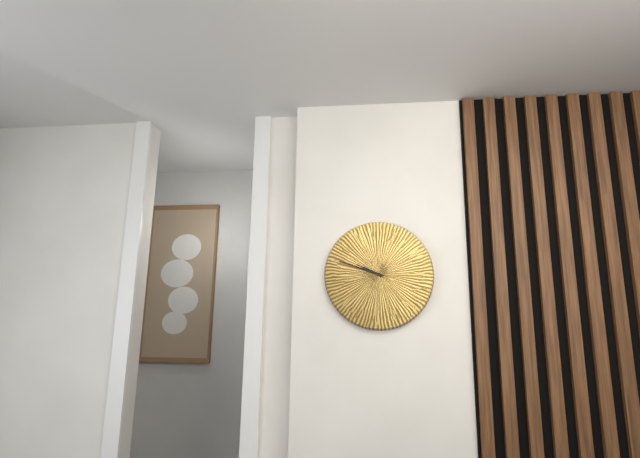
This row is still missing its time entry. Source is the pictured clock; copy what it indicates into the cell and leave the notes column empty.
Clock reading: 9:48
